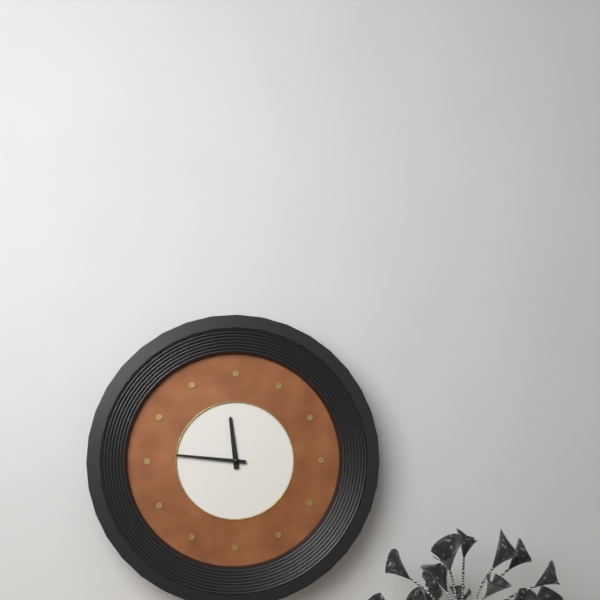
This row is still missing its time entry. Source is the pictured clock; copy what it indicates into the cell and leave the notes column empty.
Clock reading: 11:46
